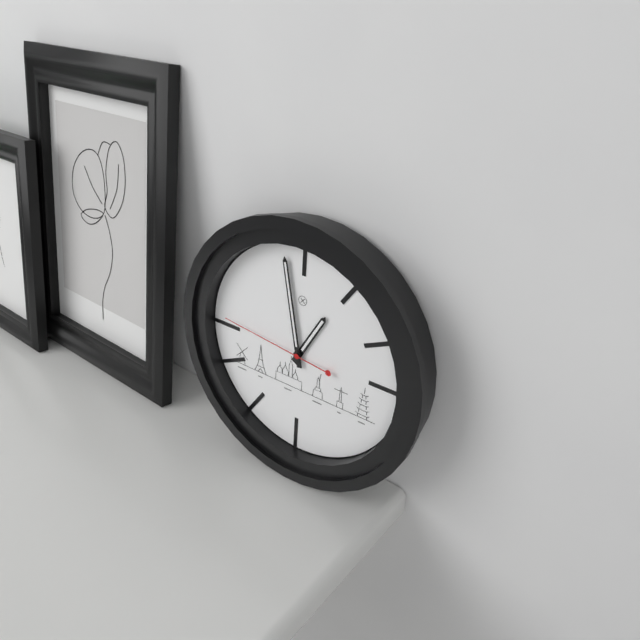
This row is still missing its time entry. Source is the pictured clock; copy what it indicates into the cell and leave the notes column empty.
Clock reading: 12:58:46
